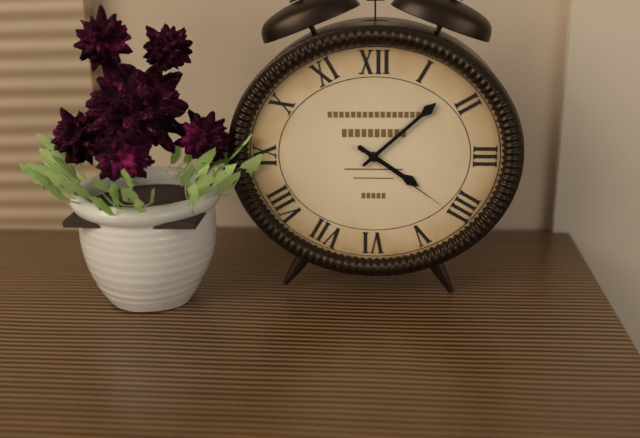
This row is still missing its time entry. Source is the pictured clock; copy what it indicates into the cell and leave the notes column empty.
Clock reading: 4:08:21
